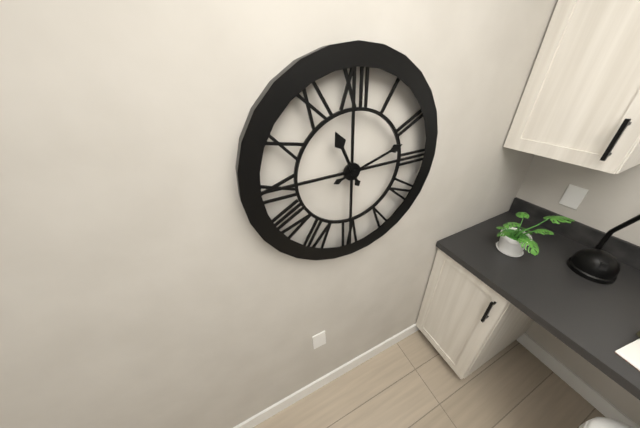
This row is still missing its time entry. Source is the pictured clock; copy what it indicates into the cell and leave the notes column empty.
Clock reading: 11:12
